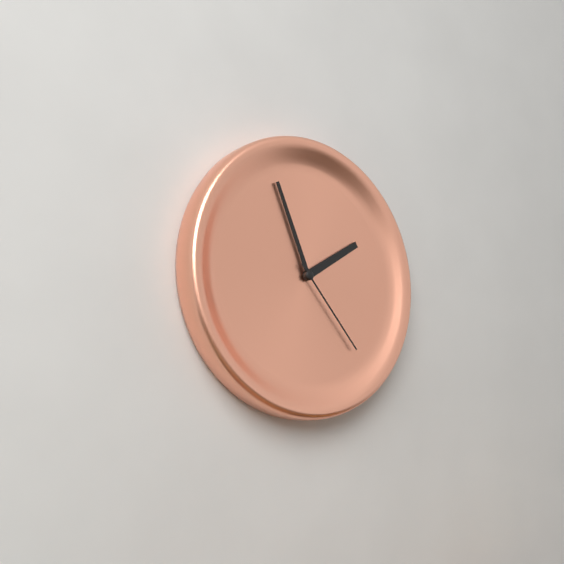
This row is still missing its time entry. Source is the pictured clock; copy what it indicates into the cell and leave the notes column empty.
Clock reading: 1:56:23
